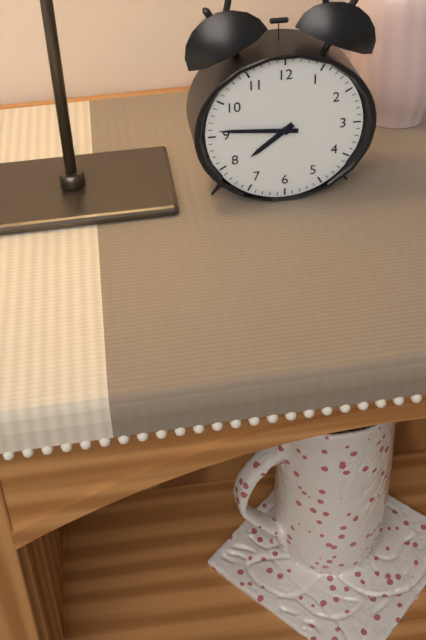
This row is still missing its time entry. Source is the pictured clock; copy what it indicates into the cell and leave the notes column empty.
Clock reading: 7:46
